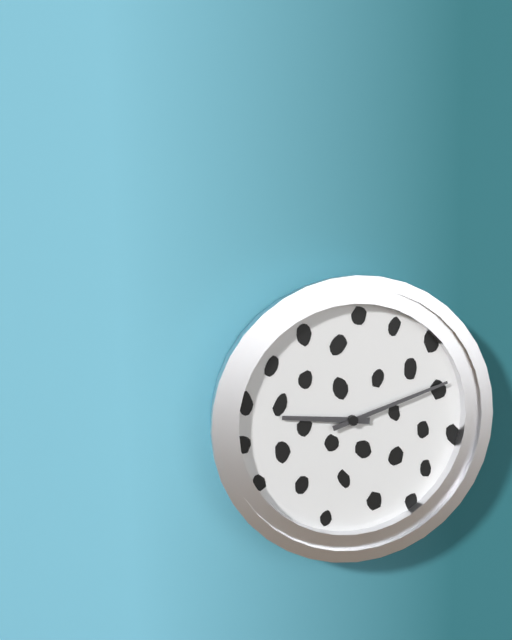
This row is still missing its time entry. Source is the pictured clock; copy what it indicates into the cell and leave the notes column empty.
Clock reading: 9:12
